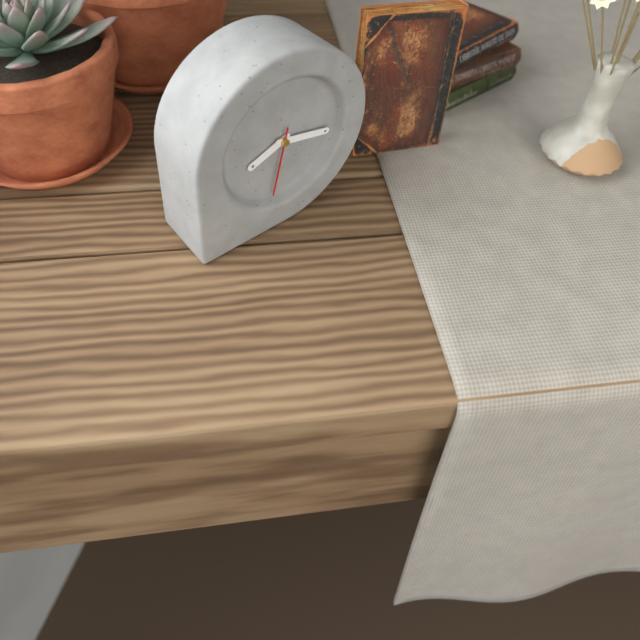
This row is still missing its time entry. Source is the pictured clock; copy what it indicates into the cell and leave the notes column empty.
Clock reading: 8:17:32
